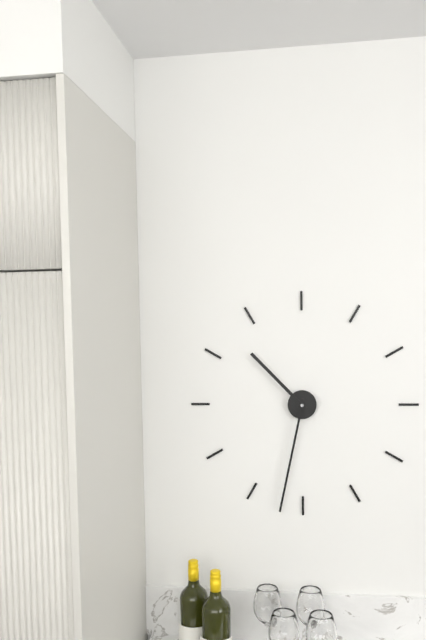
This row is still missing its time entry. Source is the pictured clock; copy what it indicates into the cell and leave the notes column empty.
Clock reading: 10:32
